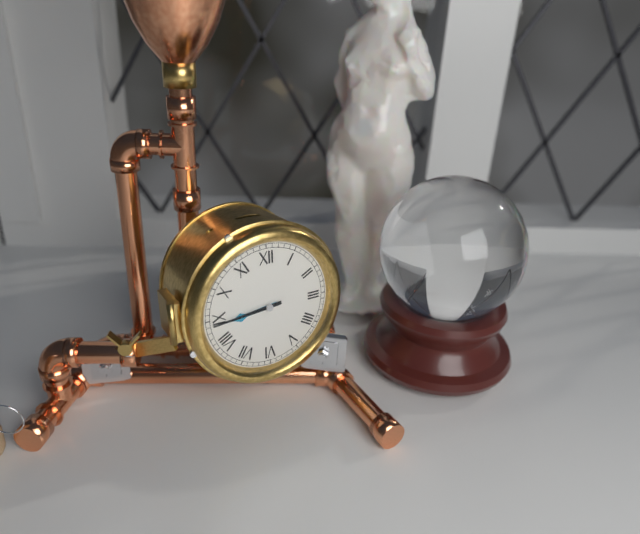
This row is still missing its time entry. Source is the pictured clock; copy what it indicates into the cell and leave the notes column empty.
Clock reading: 8:44
